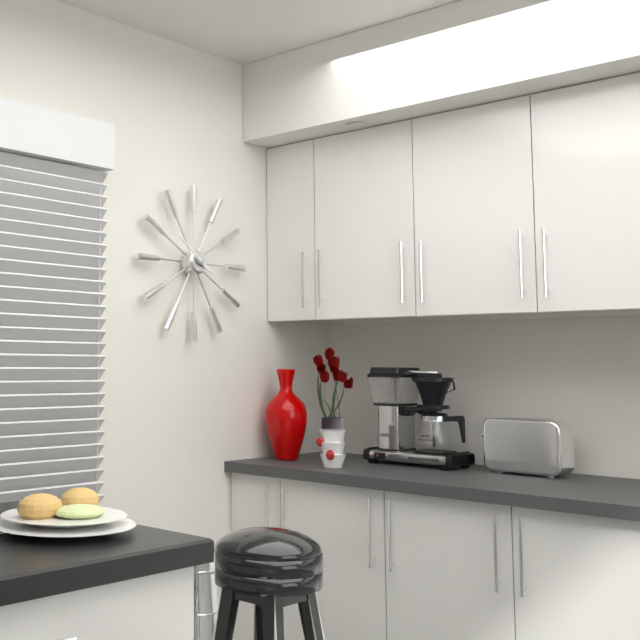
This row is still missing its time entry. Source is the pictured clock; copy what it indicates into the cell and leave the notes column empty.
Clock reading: 3:51
